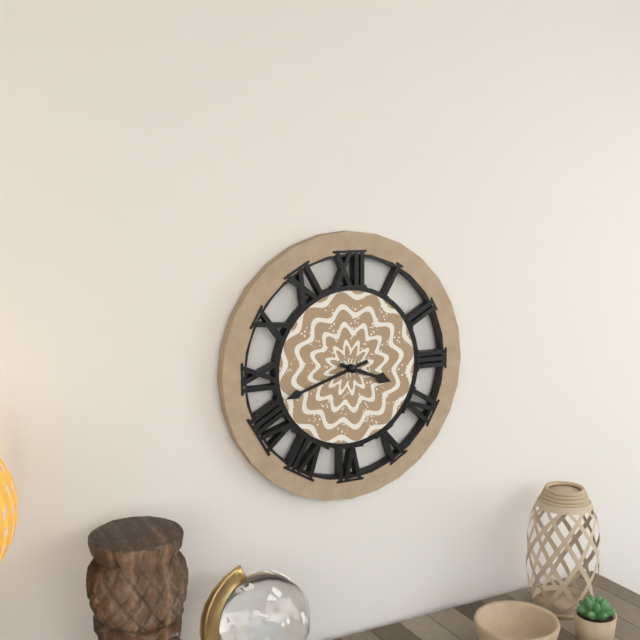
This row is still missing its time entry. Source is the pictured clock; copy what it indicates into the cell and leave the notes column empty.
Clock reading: 3:42
